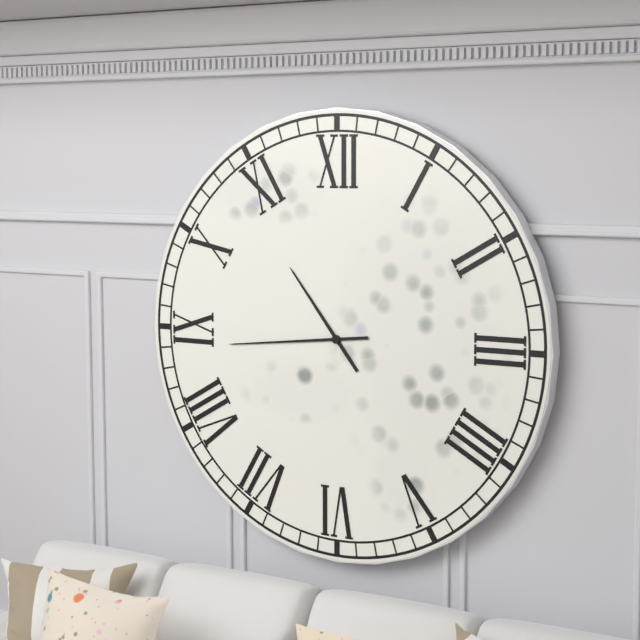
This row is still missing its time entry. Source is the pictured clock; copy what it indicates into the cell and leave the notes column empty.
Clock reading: 10:44
